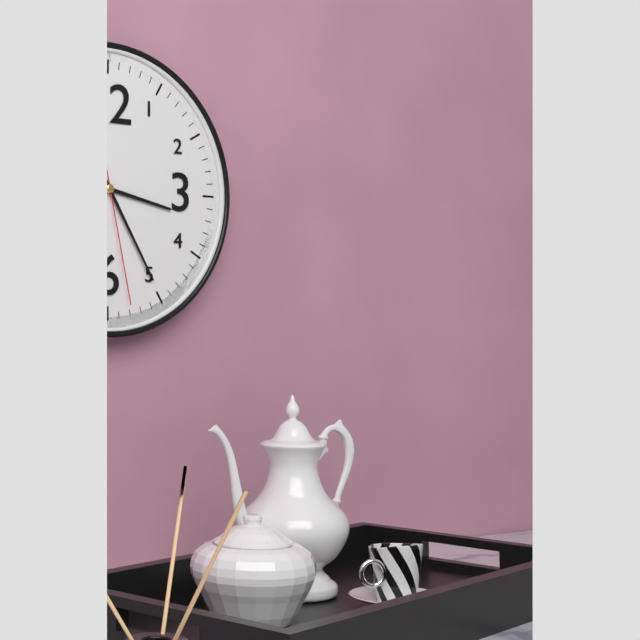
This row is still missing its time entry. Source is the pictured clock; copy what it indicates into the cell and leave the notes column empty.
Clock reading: 3:25:28
